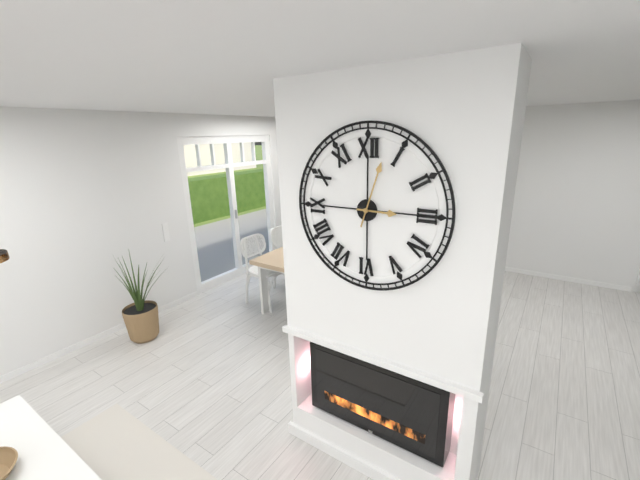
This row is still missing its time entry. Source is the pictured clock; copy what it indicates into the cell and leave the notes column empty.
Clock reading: 3:03
